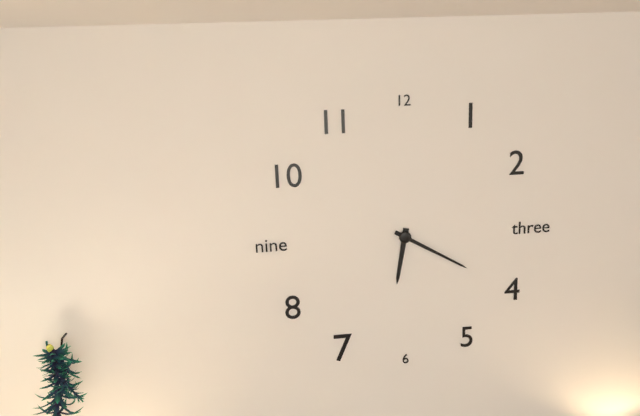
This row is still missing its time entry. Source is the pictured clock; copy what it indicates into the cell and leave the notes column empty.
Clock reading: 6:20
